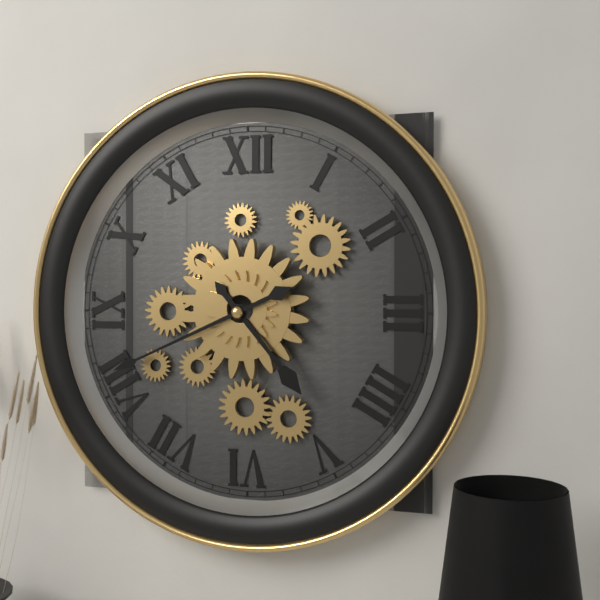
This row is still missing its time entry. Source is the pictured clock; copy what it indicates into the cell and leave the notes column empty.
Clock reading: 4:41
